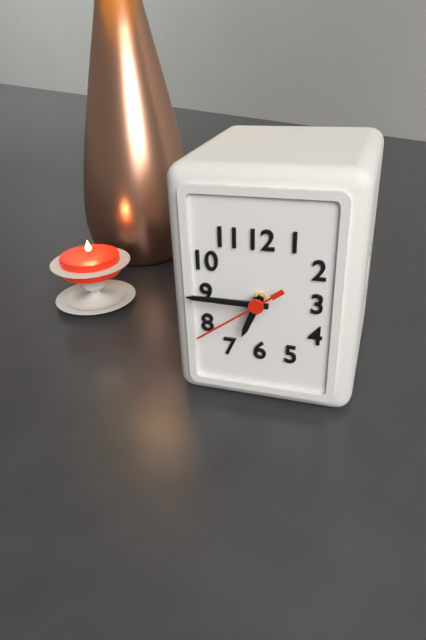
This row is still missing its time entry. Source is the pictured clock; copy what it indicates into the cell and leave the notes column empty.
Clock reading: 6:45:39
